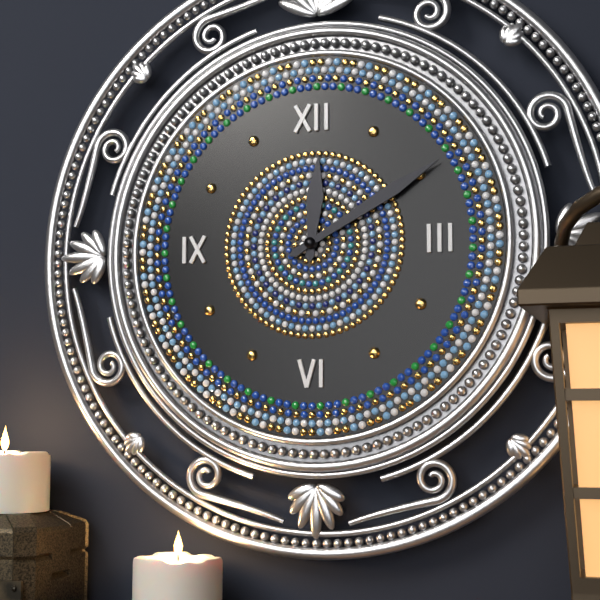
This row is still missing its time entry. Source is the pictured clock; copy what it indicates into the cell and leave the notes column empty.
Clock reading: 12:10
